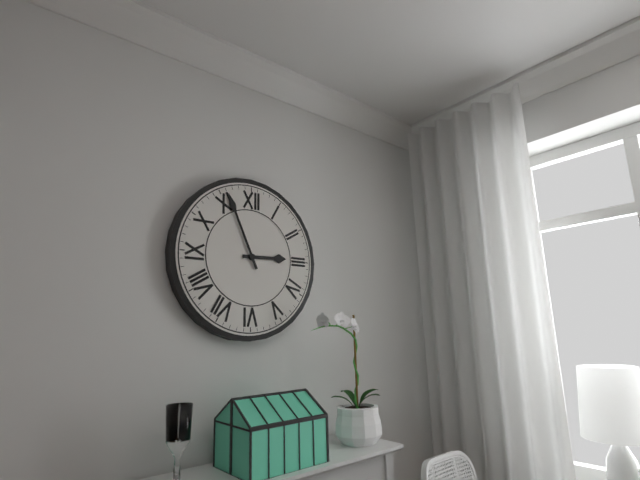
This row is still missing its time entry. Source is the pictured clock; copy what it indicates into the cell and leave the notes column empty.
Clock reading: 2:56
